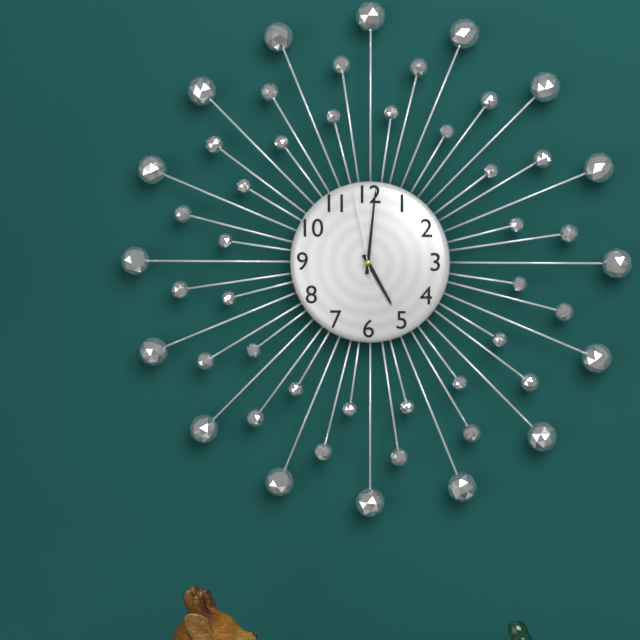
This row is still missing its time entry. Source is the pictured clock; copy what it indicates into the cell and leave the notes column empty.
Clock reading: 5:01:58
